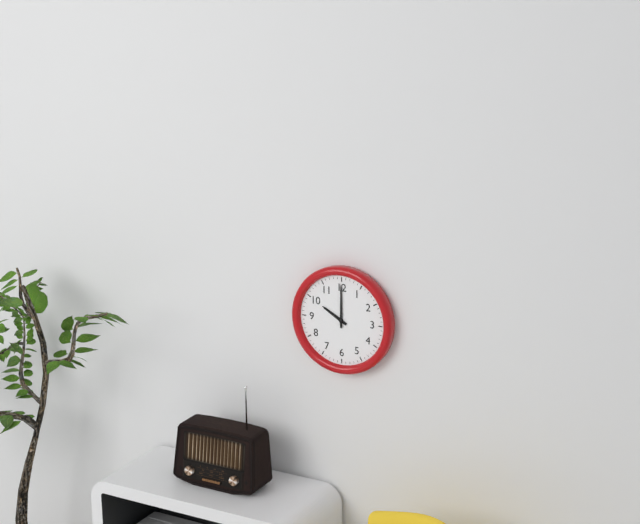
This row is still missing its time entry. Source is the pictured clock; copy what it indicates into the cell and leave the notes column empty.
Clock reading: 10:00
